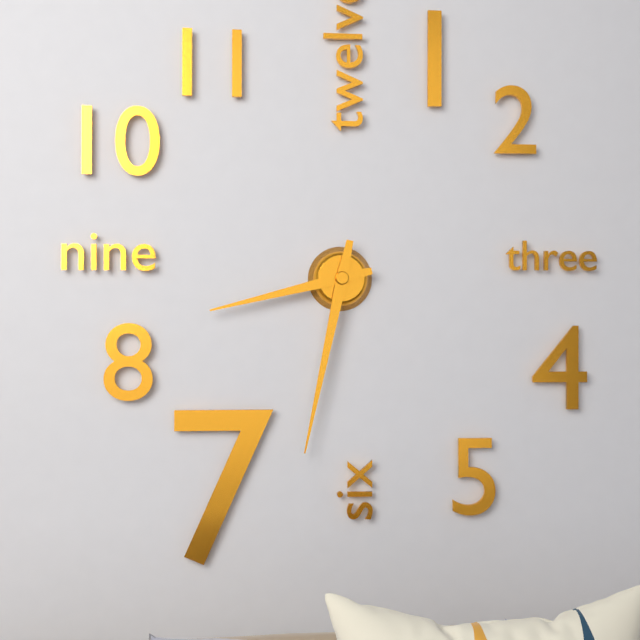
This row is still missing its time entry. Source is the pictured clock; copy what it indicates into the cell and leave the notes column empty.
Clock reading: 8:32
